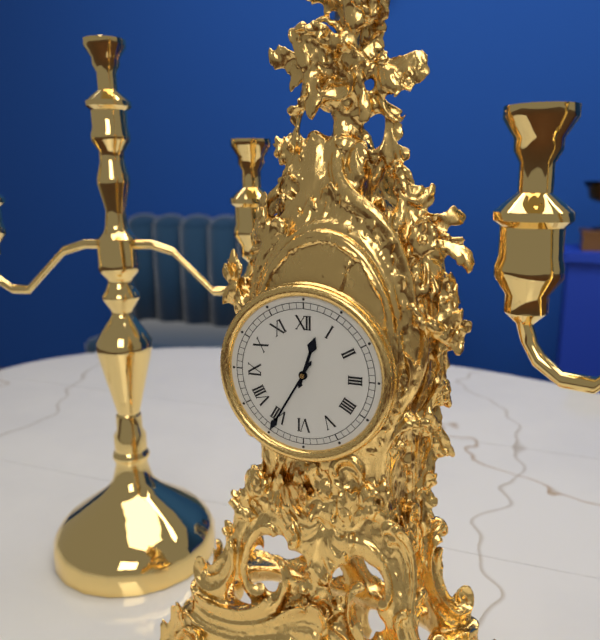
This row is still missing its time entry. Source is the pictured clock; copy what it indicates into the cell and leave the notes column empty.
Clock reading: 12:35
